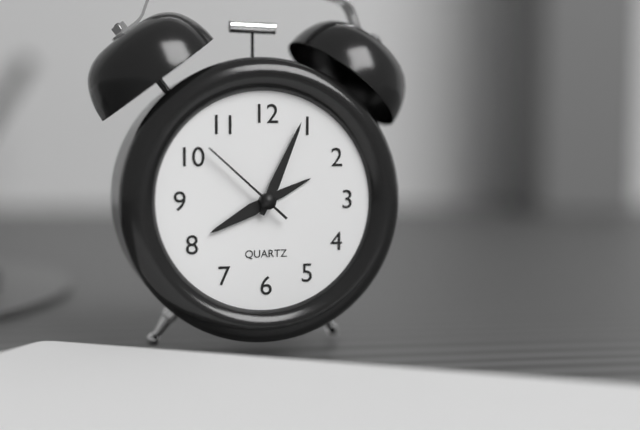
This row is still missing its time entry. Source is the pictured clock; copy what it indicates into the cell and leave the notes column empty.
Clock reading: 8:04:52
